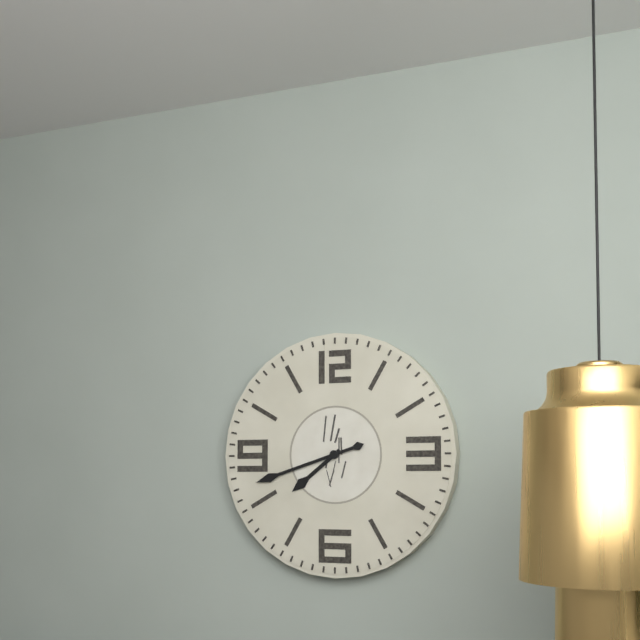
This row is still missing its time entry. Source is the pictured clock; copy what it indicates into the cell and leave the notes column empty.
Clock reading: 7:42
